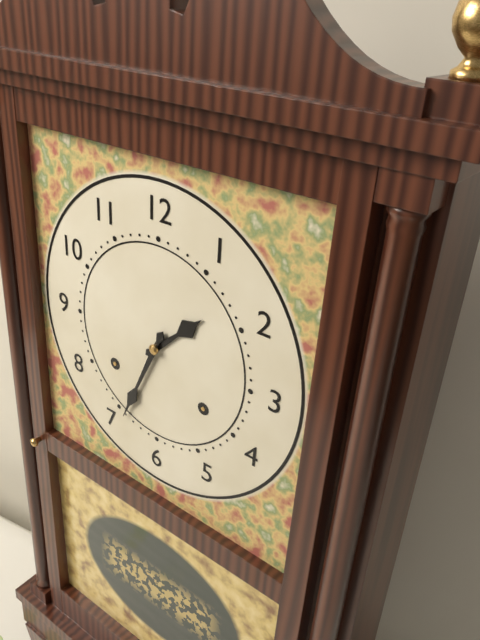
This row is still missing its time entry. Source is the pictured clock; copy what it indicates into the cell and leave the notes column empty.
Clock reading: 1:34
